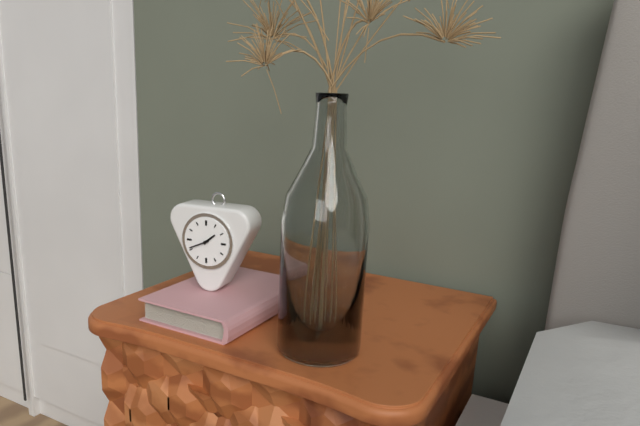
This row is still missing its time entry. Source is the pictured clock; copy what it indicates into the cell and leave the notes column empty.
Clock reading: 1:41
